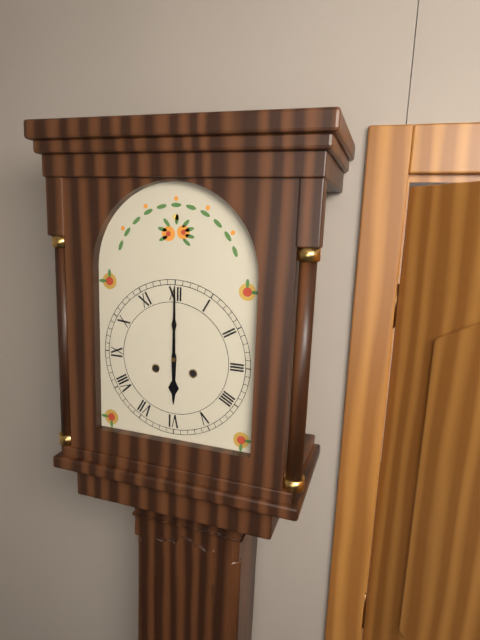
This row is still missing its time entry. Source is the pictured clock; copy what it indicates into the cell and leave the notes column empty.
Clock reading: 6:00
